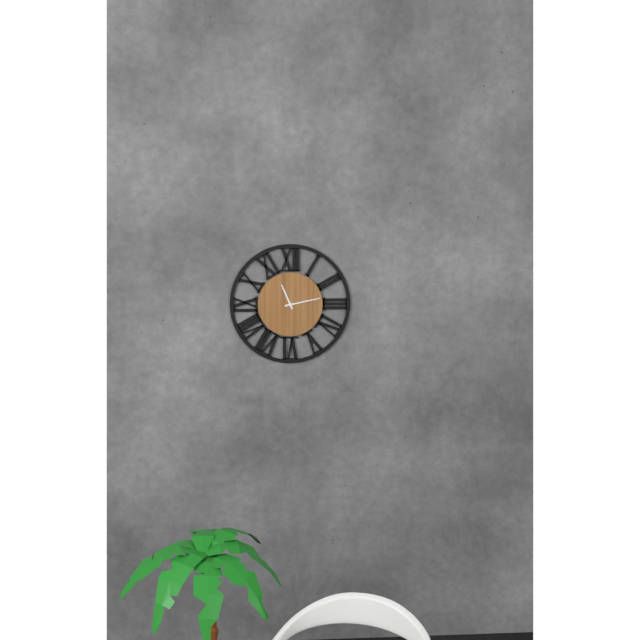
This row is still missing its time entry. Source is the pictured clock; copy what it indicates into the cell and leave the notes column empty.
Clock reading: 11:13
